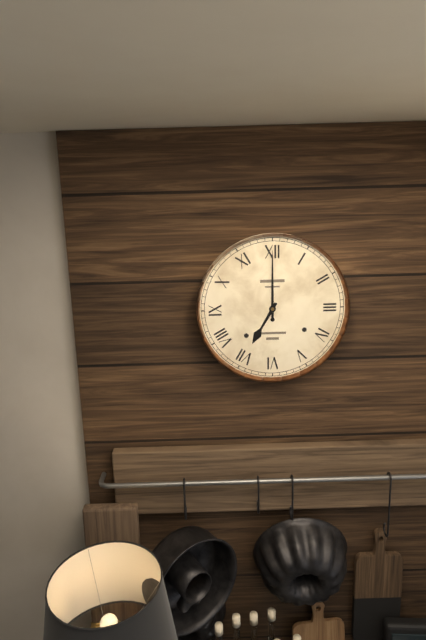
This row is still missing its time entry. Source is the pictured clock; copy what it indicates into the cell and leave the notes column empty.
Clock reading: 7:00
